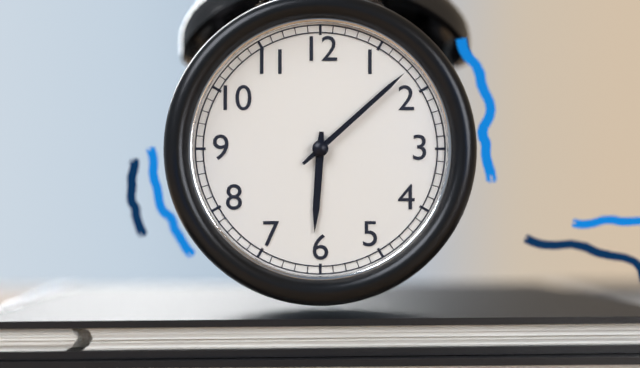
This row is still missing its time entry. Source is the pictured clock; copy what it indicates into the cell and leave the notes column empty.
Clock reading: 6:08
